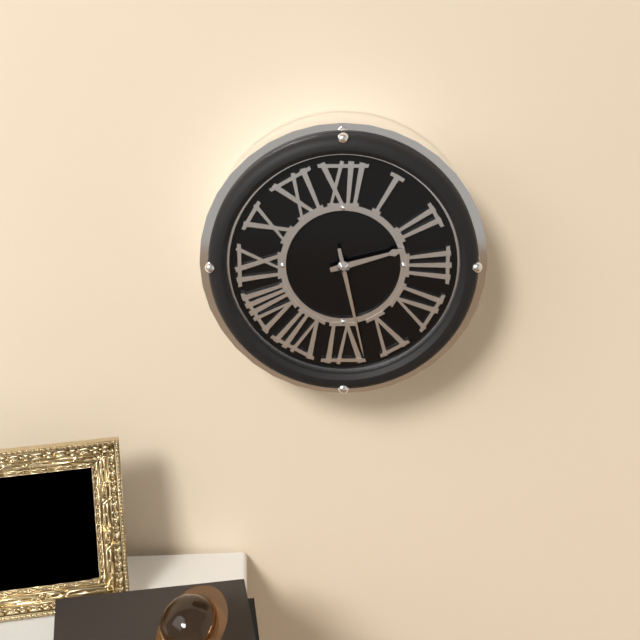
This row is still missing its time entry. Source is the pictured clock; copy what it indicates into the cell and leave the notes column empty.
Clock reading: 2:28
